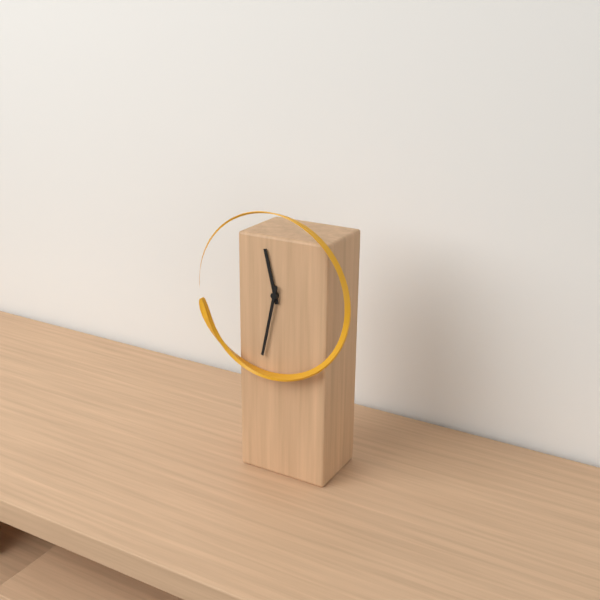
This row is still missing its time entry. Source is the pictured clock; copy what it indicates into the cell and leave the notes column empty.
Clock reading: 11:32
